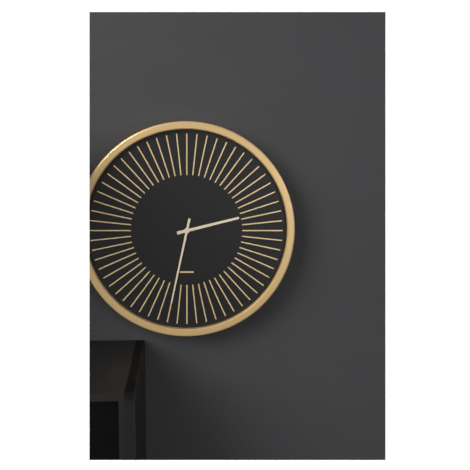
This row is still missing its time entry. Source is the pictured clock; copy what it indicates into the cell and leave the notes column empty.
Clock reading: 2:32
